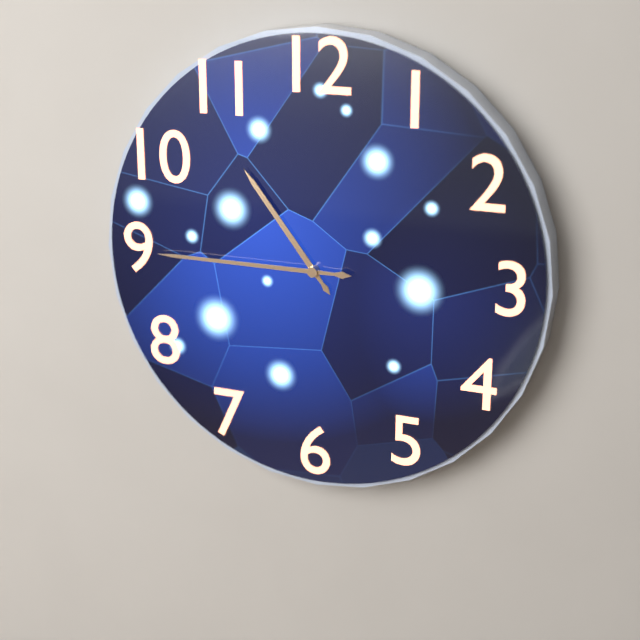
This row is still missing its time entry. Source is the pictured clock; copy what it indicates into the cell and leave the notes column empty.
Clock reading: 10:45
